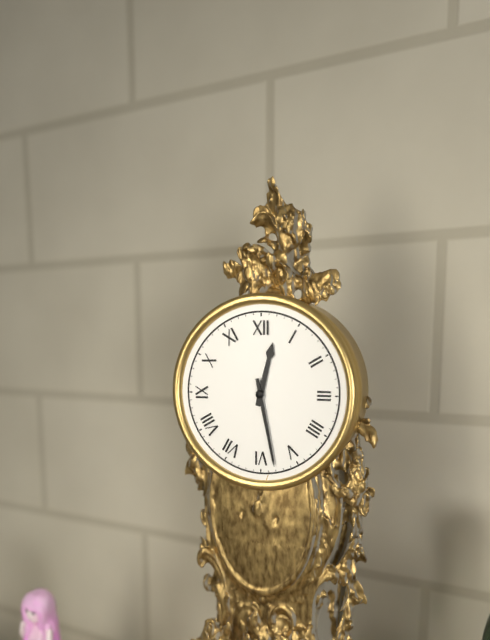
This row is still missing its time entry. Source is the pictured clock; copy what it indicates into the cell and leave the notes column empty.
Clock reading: 12:28
